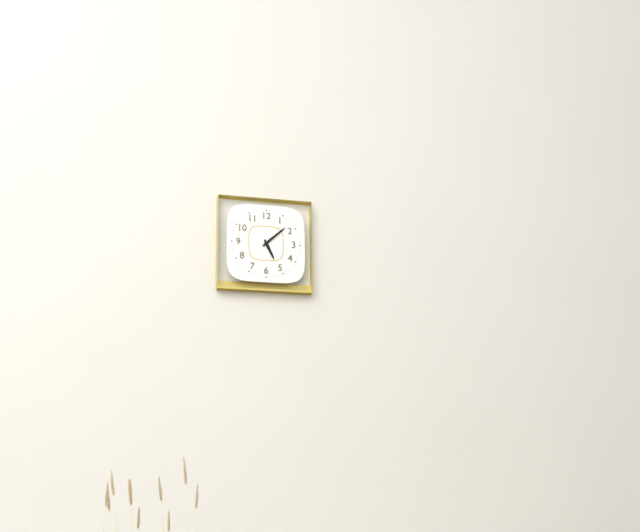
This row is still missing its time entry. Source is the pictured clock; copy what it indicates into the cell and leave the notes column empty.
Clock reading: 5:08
